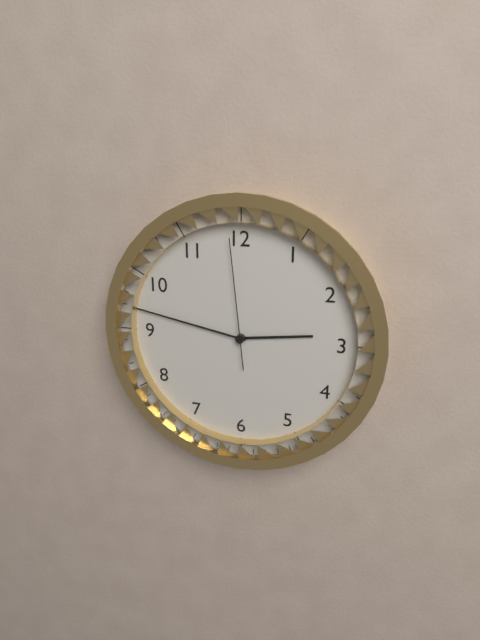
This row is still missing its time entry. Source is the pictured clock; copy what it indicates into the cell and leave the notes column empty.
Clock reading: 2:47:59
